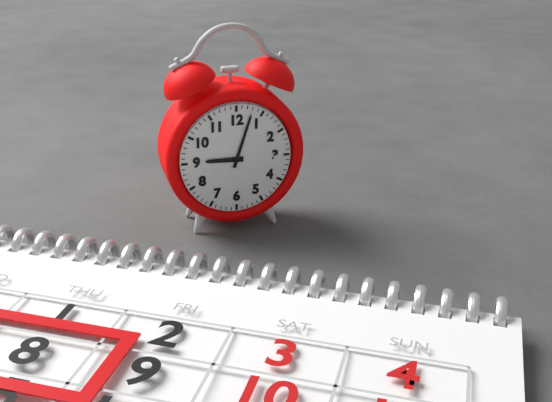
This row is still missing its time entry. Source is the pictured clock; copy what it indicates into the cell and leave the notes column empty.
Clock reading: 9:03
